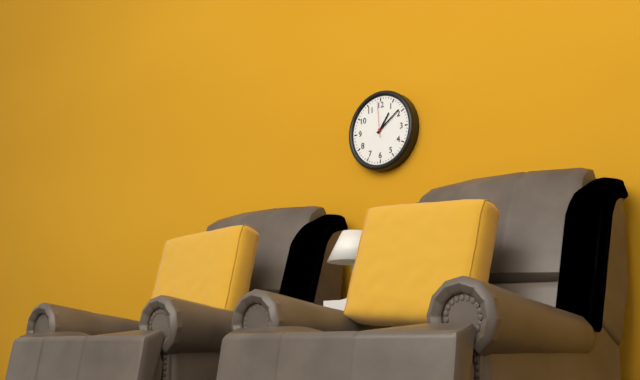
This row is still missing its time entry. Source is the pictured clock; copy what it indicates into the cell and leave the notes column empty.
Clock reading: 1:09
